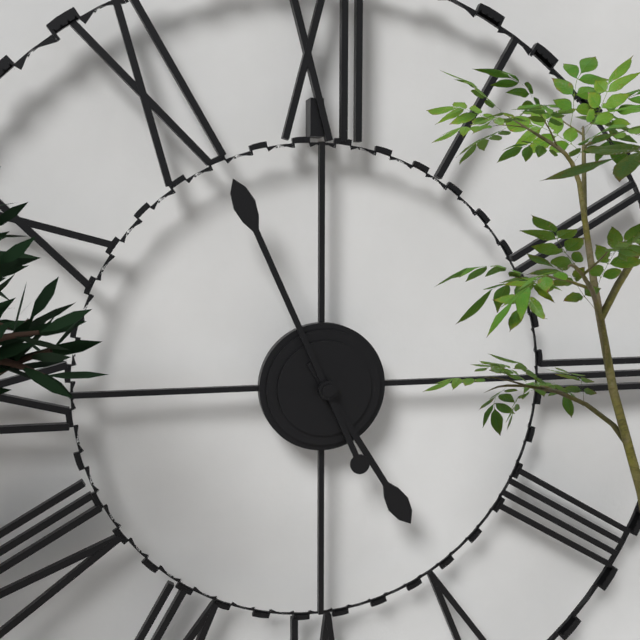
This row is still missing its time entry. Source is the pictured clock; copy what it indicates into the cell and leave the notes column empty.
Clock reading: 4:56
